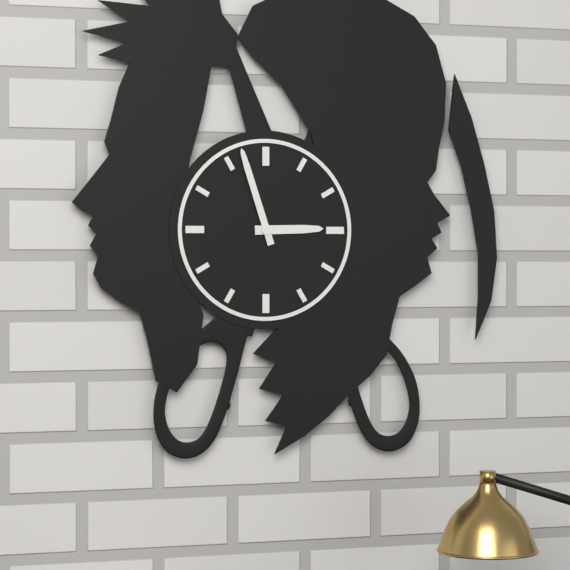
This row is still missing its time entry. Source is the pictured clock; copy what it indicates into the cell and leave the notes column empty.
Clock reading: 2:57
